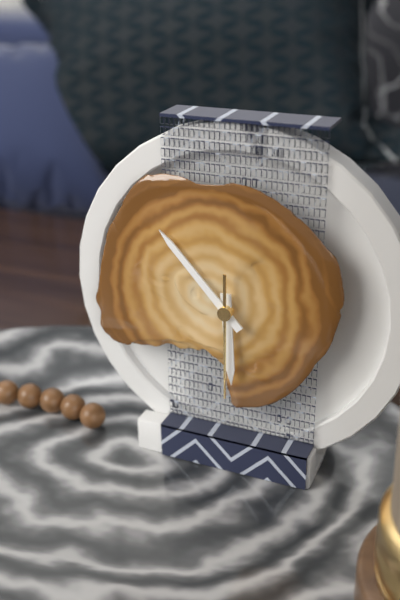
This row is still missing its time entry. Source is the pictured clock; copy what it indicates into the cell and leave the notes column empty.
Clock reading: 5:53:30
